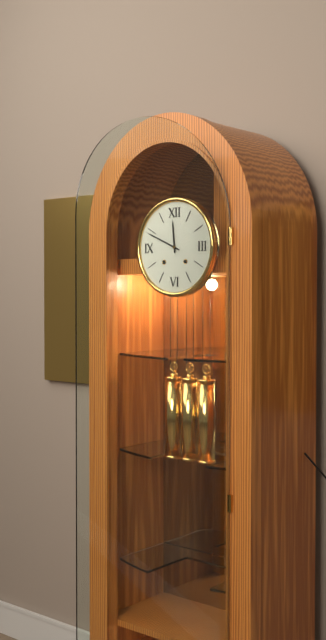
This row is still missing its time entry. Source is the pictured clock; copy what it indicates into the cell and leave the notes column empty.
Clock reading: 11:49
